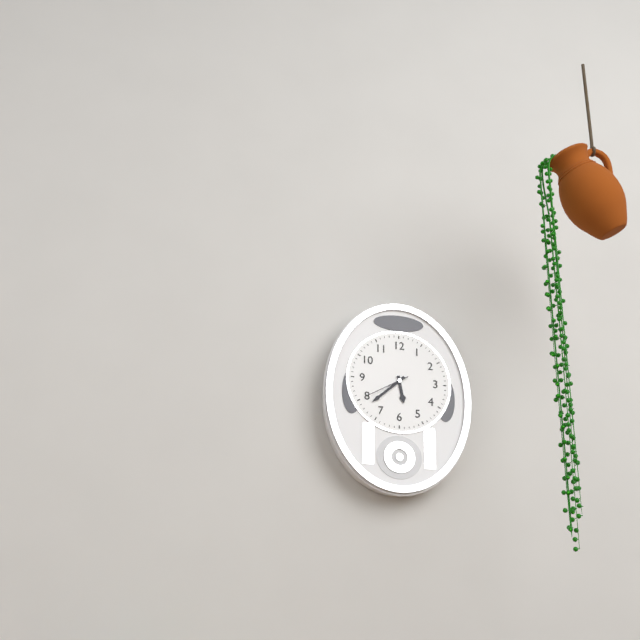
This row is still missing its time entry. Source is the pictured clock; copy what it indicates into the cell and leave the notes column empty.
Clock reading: 5:38
